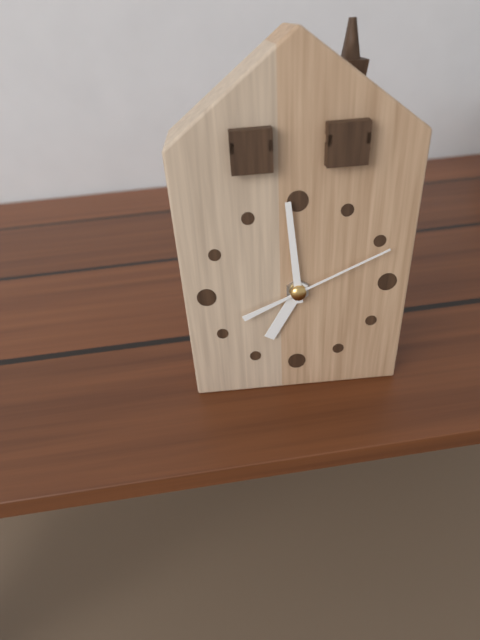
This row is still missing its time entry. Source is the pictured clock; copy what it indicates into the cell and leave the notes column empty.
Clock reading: 6:59:11
